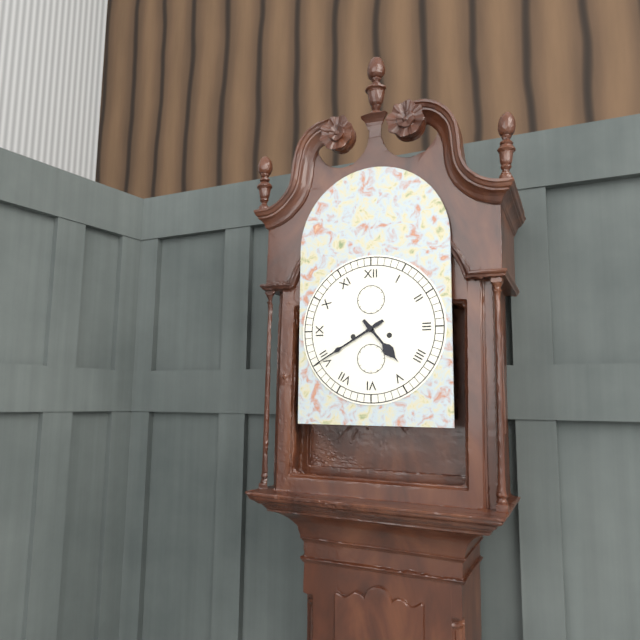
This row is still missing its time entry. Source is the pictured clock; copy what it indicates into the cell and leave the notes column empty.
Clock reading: 4:40
